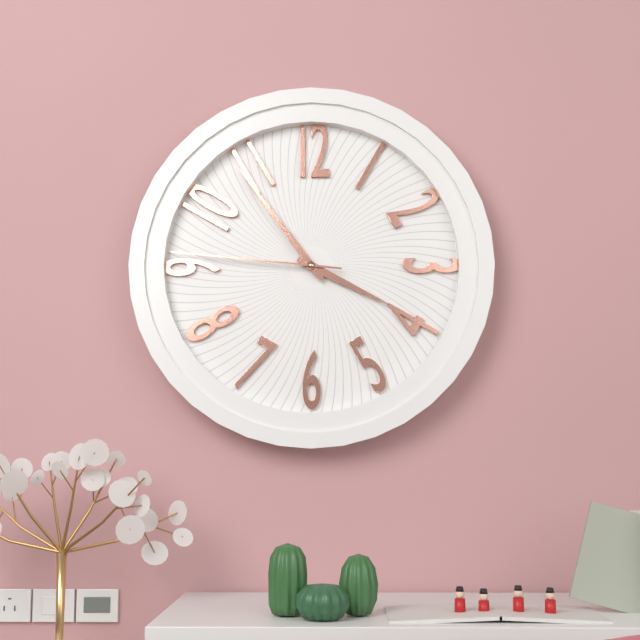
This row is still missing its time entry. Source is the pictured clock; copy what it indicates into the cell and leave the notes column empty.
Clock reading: 3:54:46
